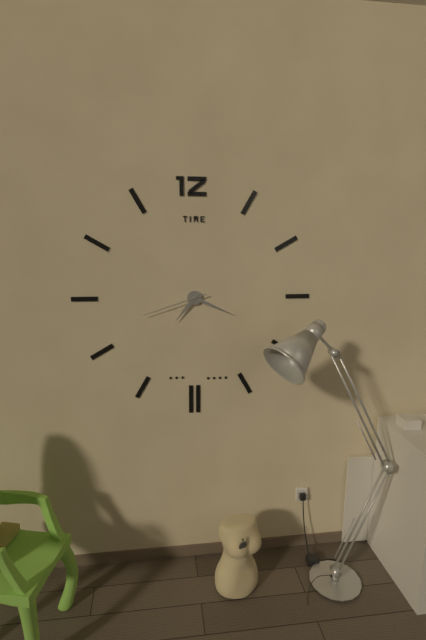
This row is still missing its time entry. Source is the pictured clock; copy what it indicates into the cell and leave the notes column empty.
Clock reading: 7:19:42
